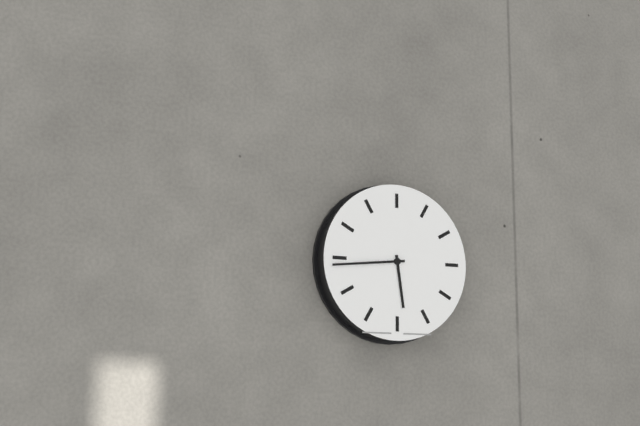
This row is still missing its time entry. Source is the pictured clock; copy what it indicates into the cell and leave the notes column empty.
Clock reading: 5:44
